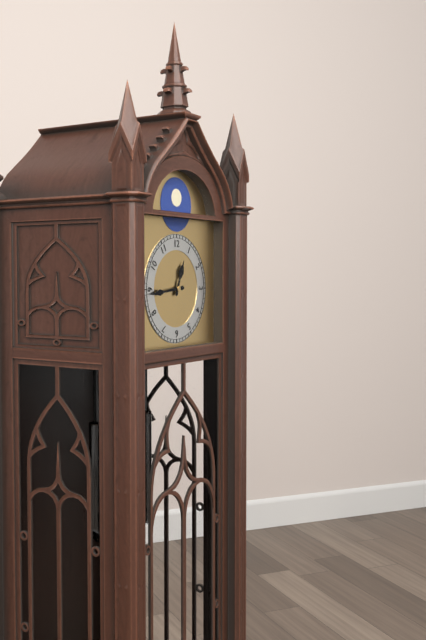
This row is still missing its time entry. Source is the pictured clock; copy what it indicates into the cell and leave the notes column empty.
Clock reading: 12:44
